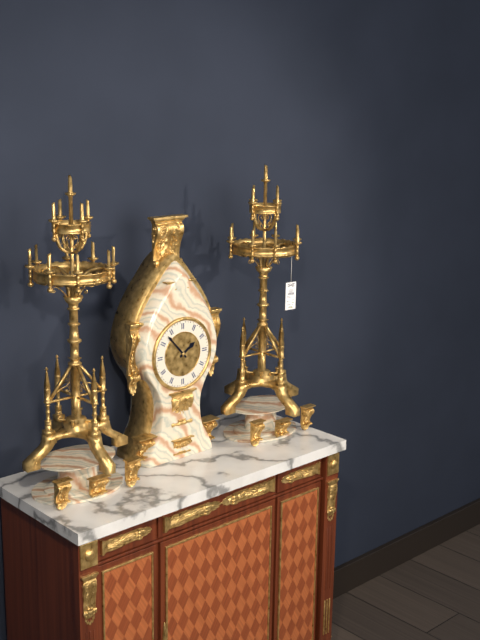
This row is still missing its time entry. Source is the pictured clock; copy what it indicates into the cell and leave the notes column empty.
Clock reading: 1:53
